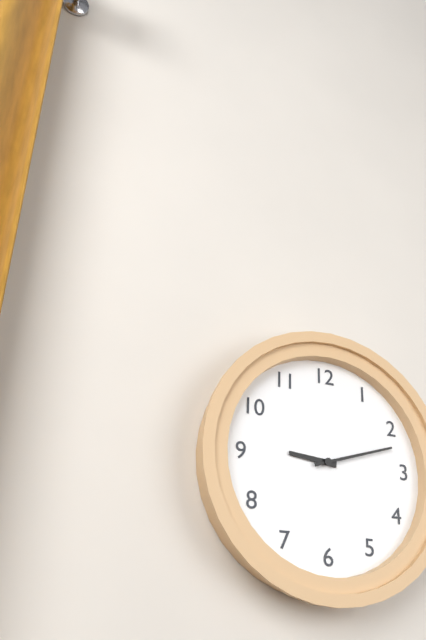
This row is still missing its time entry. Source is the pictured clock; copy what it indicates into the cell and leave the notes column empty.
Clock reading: 9:12
